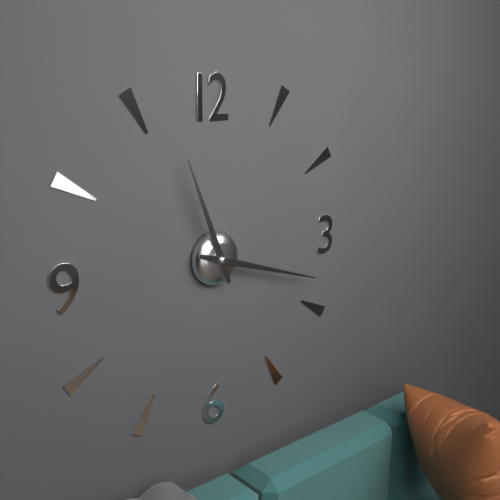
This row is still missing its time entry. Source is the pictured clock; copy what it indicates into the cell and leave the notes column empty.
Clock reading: 11:18
